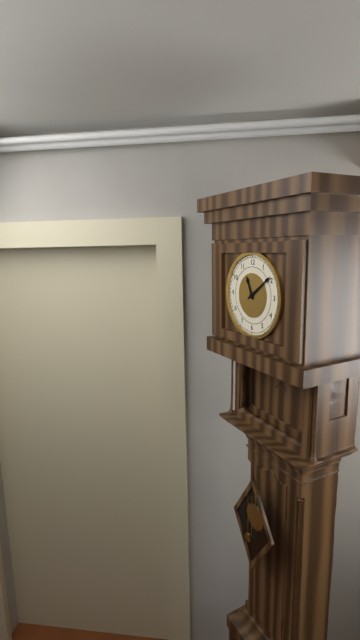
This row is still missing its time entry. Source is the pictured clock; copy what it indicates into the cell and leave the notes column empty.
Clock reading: 11:09
